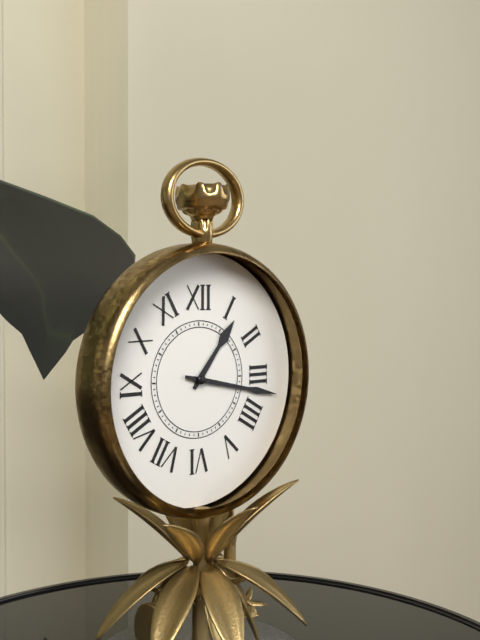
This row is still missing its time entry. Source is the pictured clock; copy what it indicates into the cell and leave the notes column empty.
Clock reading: 1:17
